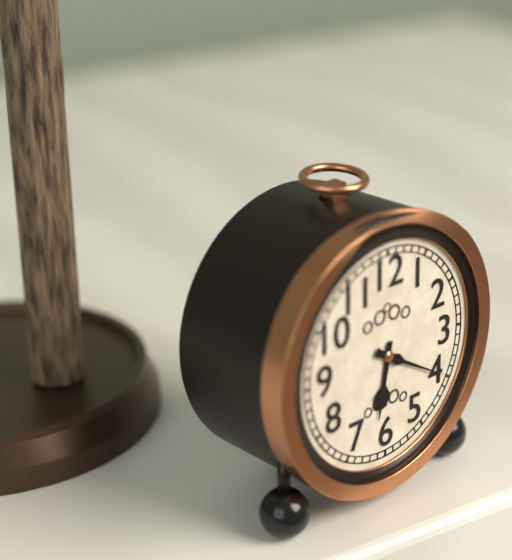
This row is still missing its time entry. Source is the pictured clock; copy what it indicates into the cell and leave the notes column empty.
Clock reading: 6:20
